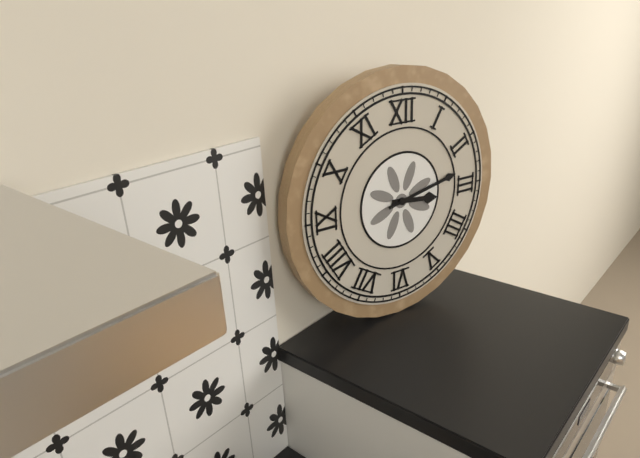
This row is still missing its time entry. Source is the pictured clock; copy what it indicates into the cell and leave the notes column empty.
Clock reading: 3:13
